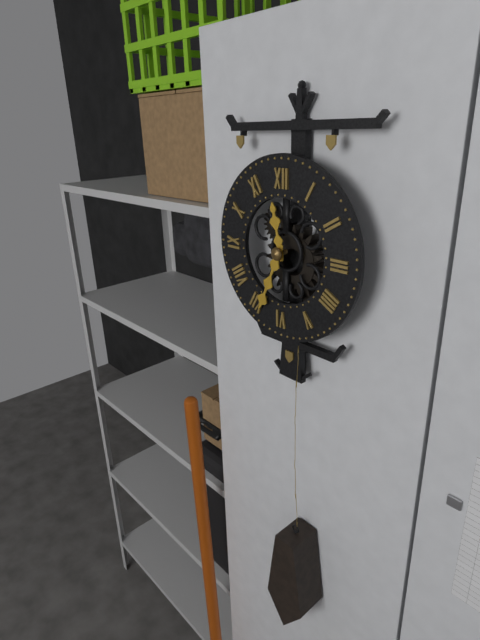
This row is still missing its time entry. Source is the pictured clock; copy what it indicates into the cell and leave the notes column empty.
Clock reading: 11:34
